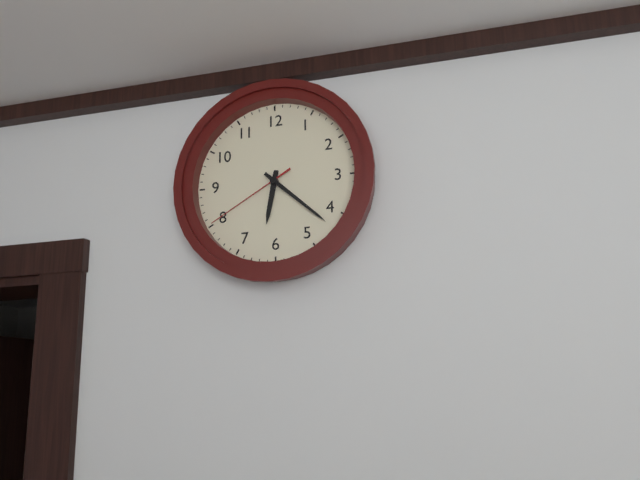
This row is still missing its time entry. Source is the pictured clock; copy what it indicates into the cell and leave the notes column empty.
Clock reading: 6:22:40
